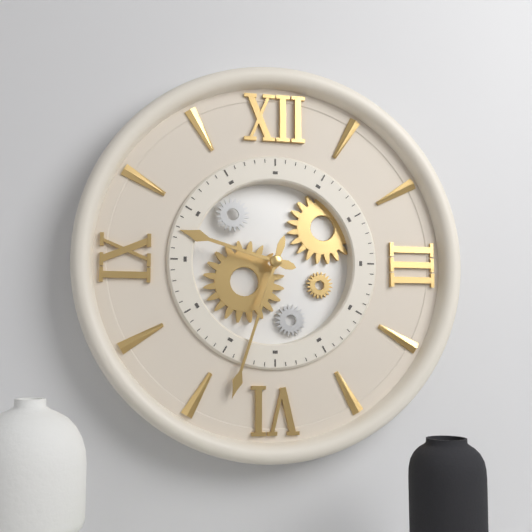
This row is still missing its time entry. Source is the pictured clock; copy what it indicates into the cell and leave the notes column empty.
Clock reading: 9:33
